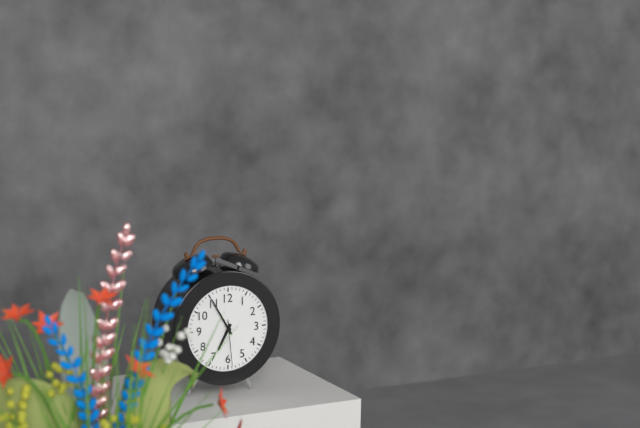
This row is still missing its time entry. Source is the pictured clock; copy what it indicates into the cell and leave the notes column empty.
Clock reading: 6:55
